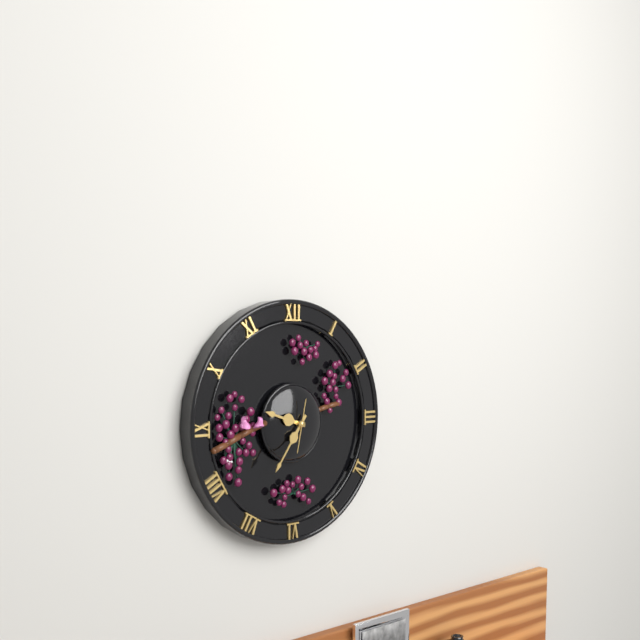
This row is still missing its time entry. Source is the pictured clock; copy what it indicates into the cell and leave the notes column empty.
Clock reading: 9:36
